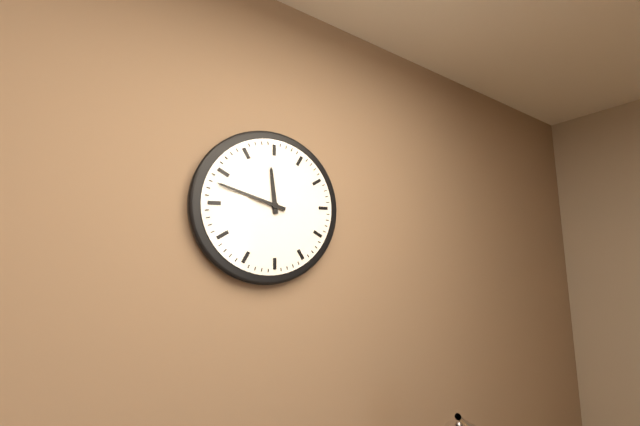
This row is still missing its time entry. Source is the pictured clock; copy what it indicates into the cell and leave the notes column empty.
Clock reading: 11:48
